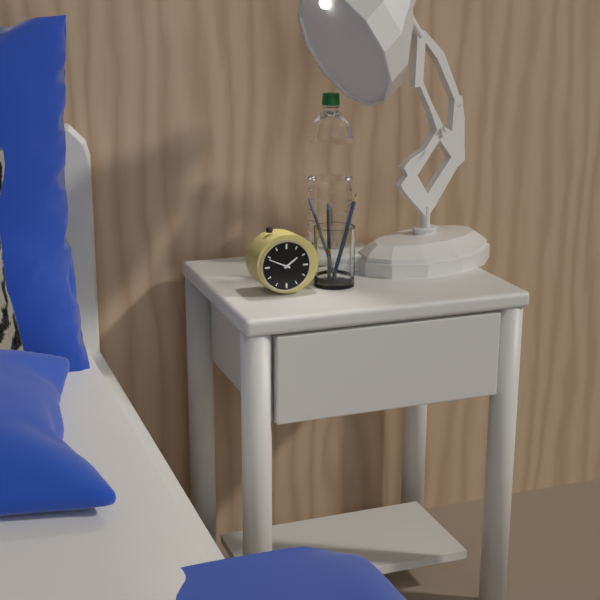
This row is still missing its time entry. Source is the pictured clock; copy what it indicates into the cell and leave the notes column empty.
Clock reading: 1:49
